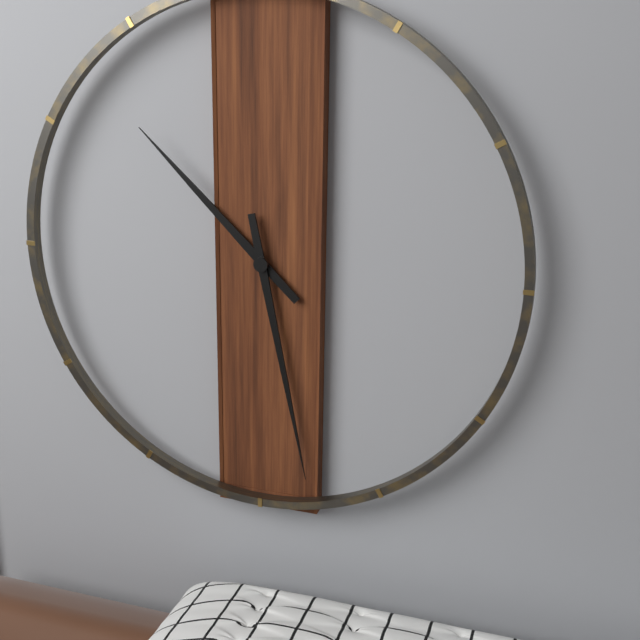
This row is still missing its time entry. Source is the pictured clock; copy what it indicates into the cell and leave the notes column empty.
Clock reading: 10:28
